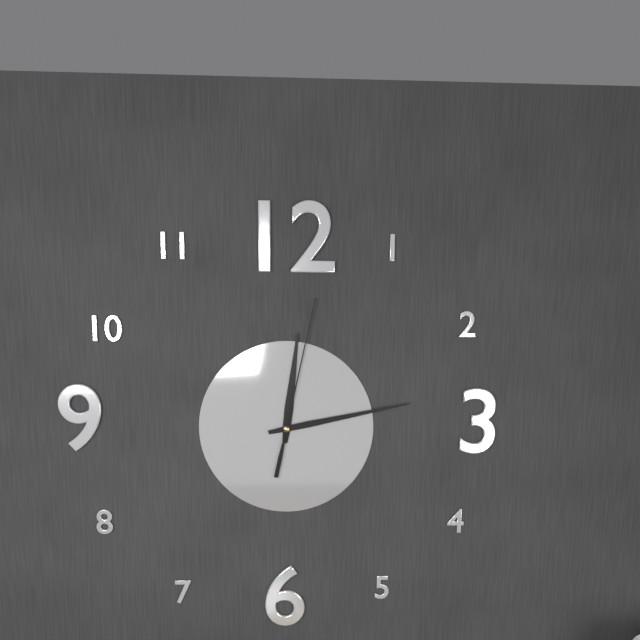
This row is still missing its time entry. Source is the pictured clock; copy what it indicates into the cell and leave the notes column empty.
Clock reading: 12:13:02
